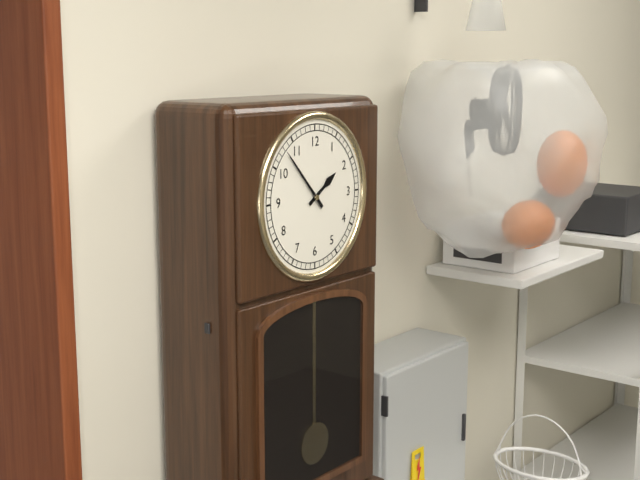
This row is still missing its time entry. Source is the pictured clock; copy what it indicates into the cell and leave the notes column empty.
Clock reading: 1:53
